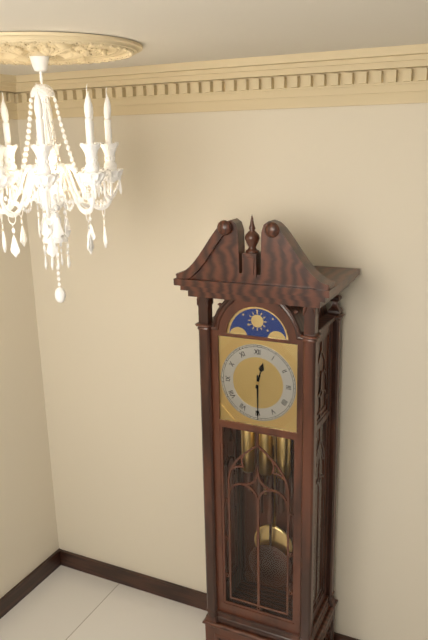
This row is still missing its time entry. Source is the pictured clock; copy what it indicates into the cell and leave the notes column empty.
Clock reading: 12:30
